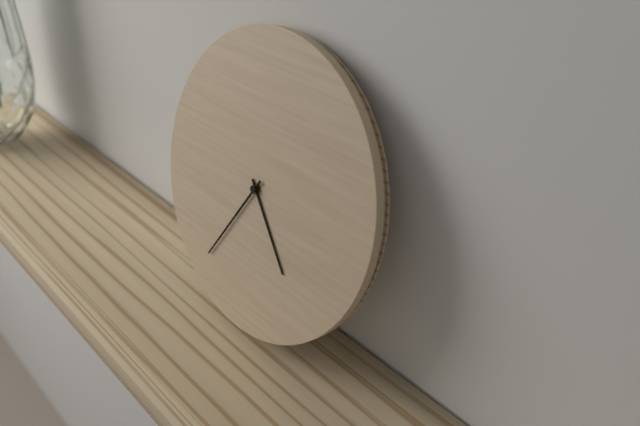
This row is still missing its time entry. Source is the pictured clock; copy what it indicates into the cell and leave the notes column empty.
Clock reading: 4:35
